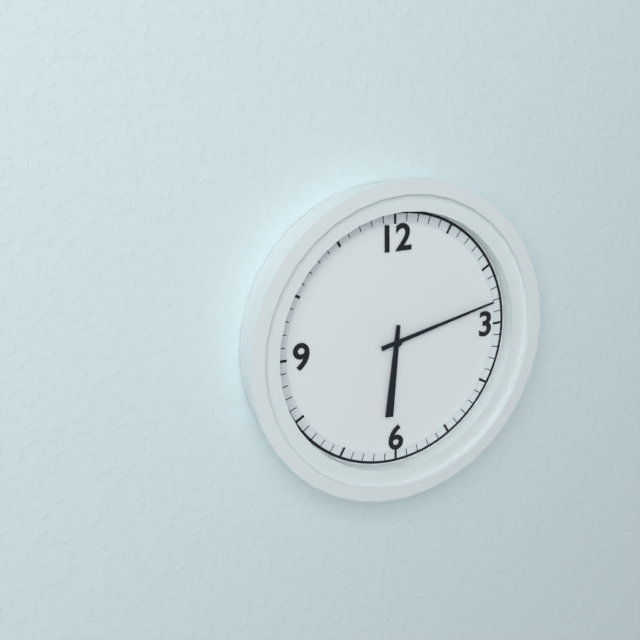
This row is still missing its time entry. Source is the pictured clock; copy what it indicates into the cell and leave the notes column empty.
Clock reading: 6:13
